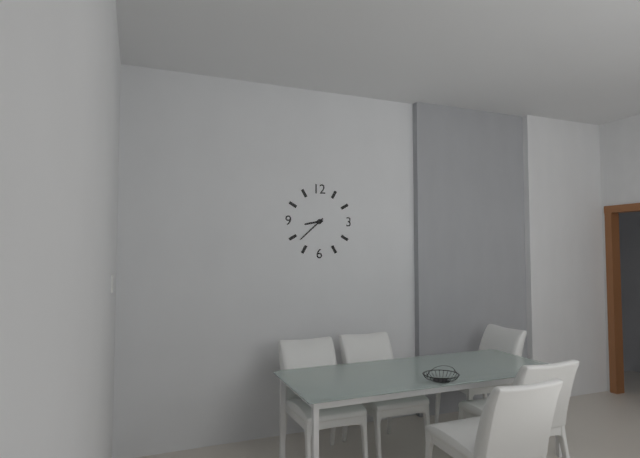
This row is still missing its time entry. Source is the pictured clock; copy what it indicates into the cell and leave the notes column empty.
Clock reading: 8:38
